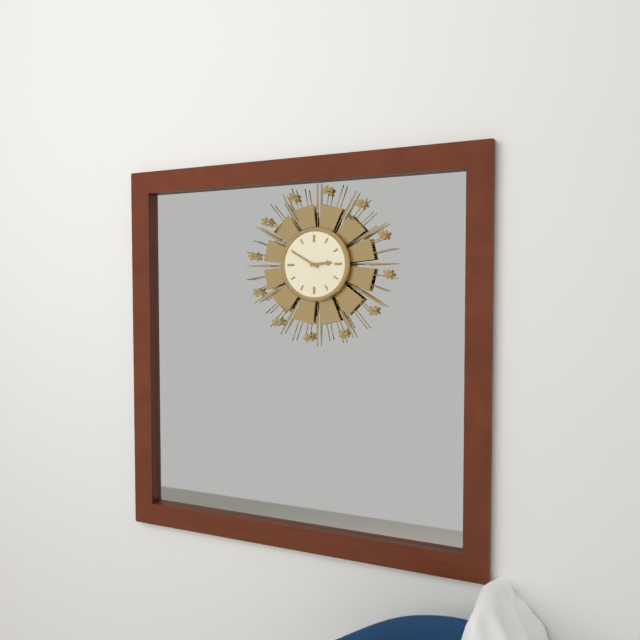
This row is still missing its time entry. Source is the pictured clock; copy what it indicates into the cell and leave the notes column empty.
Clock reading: 2:50
